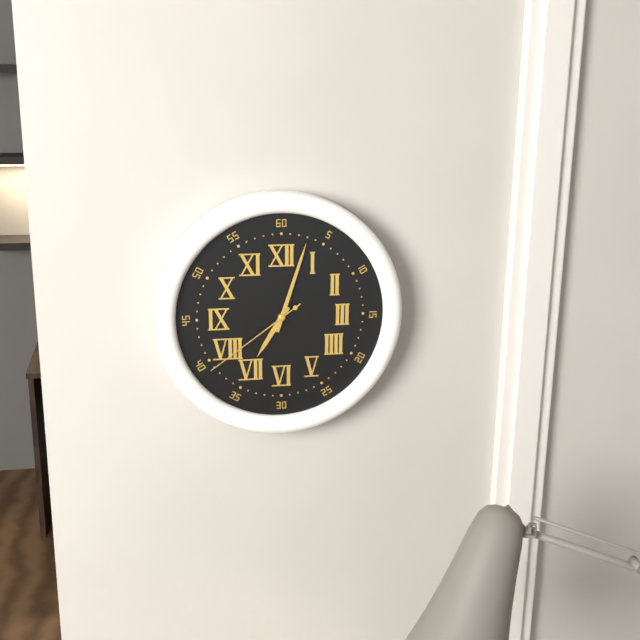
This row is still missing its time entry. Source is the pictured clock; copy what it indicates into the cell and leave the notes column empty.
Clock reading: 7:03:39
